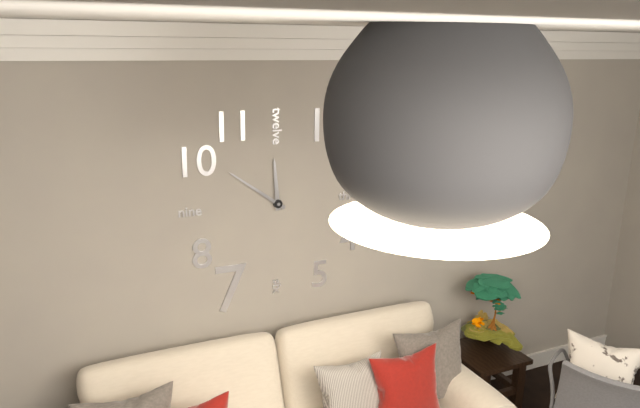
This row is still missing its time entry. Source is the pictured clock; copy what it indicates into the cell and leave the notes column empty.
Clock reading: 11:51
